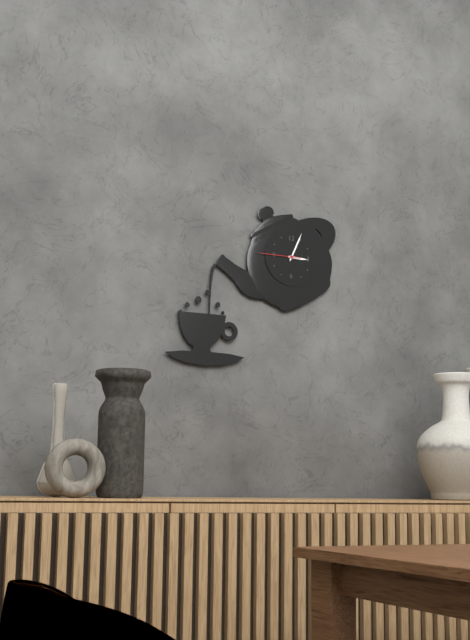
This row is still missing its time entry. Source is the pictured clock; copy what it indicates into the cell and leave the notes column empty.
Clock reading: 3:04
